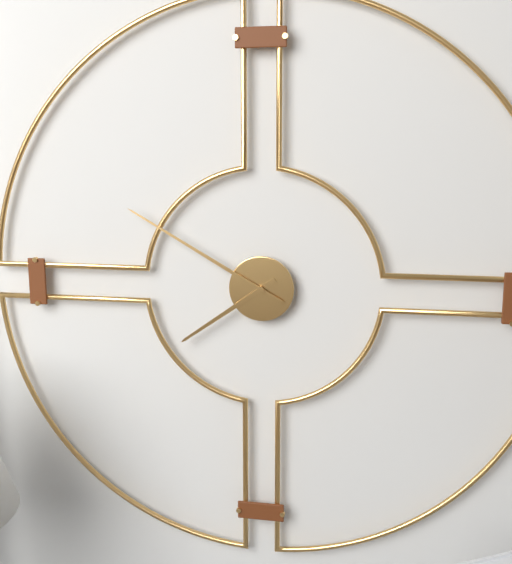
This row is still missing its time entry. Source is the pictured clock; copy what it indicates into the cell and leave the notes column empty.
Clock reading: 7:50
